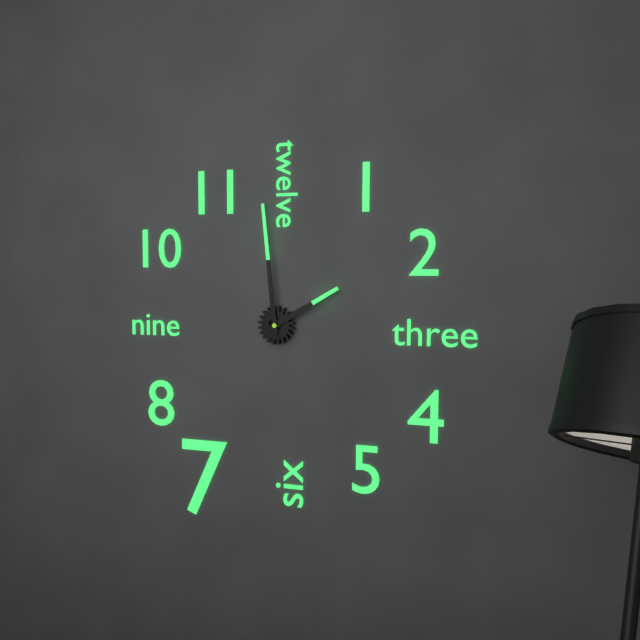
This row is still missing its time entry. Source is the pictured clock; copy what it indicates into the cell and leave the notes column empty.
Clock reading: 1:59
